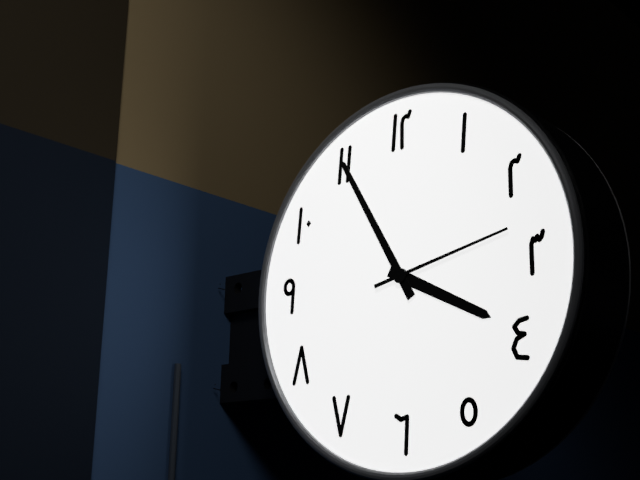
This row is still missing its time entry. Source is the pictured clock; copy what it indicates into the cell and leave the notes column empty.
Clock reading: 3:55:13
